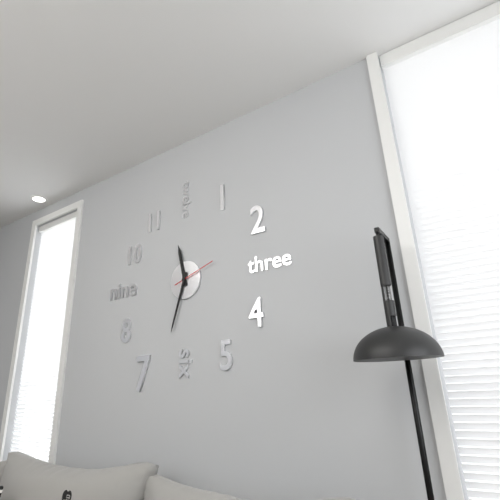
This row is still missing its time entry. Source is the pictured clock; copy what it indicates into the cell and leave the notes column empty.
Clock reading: 11:33
